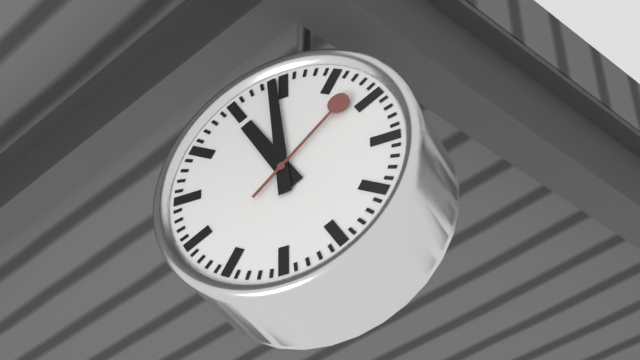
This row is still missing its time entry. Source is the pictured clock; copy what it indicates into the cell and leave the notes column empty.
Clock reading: 10:59:08
